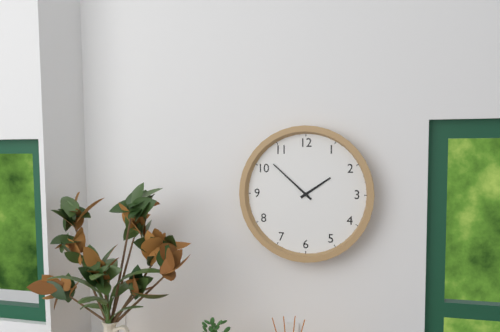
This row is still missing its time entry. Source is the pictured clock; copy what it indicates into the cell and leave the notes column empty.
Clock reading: 1:52
